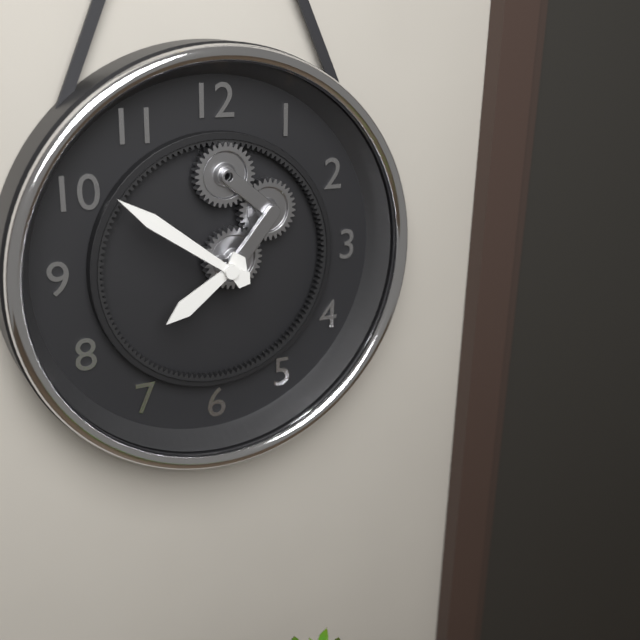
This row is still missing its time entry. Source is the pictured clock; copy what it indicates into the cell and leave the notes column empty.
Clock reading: 7:51
